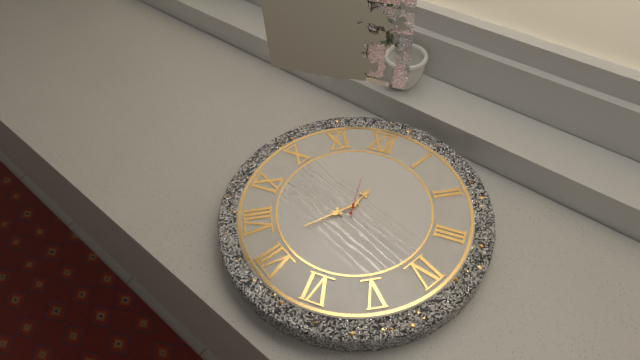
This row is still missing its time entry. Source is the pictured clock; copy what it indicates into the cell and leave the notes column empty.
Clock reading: 12:37
